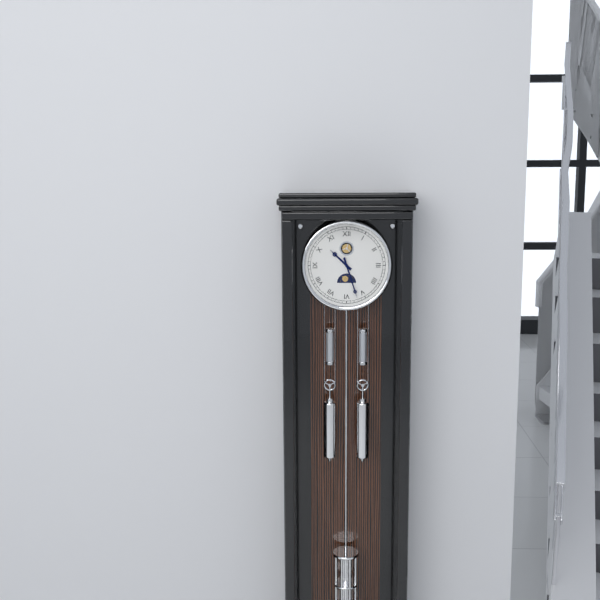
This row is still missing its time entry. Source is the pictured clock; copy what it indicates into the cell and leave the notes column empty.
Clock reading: 10:27
